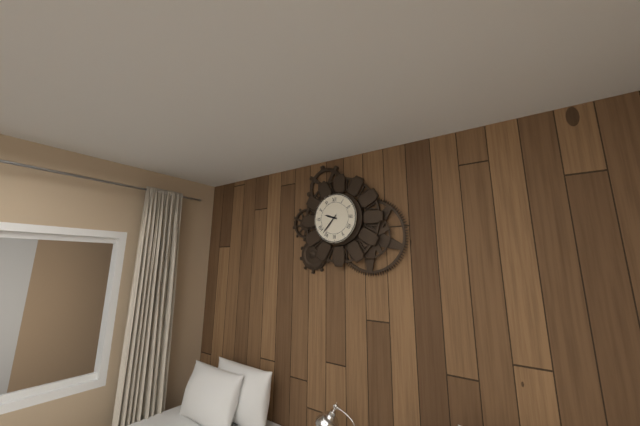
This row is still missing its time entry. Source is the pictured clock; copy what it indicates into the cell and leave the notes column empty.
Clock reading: 9:37
